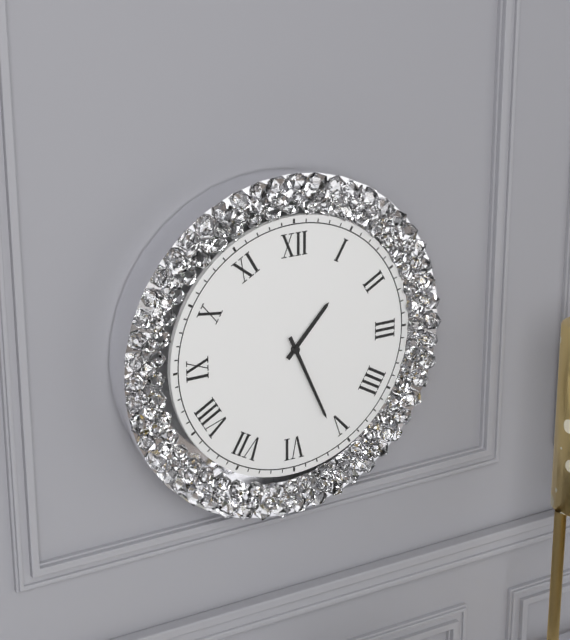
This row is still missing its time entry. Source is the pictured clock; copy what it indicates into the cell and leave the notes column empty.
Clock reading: 1:26
